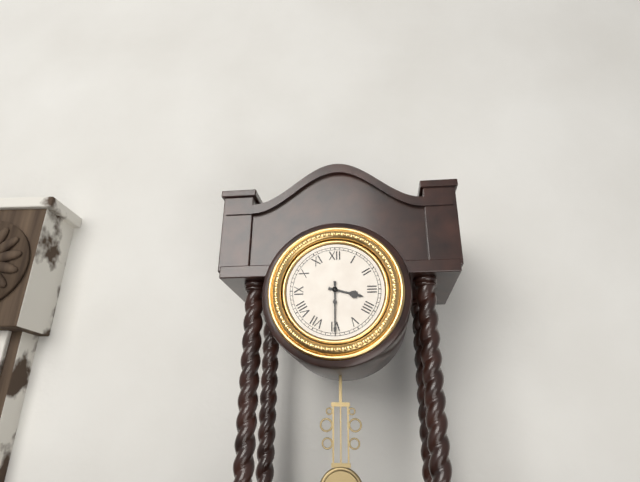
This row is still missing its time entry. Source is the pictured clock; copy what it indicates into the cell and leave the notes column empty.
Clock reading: 3:30
